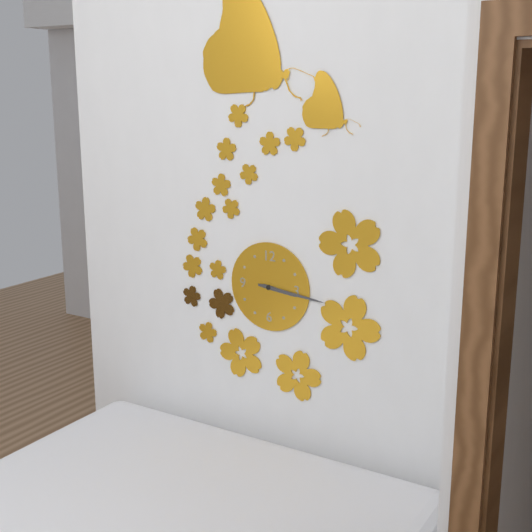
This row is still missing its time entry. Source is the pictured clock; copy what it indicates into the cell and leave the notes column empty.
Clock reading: 3:16
